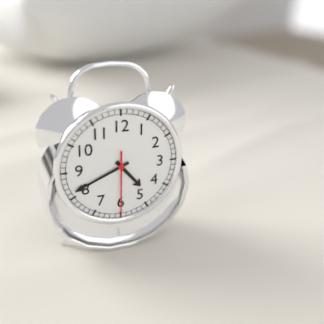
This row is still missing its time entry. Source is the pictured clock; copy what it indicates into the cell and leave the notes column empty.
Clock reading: 4:41:30
